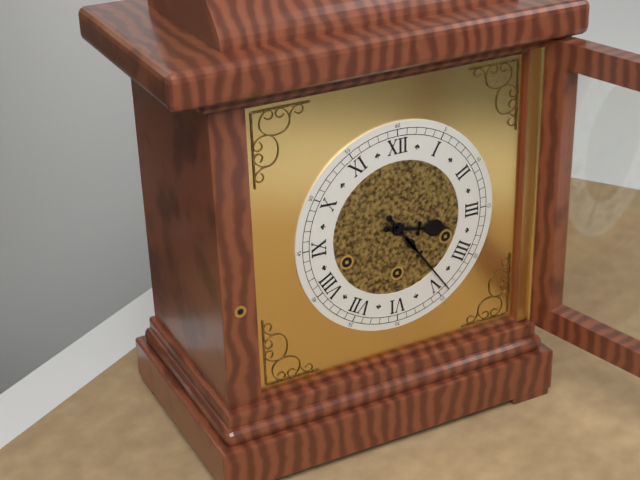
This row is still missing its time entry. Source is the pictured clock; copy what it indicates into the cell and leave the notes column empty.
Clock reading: 3:24
